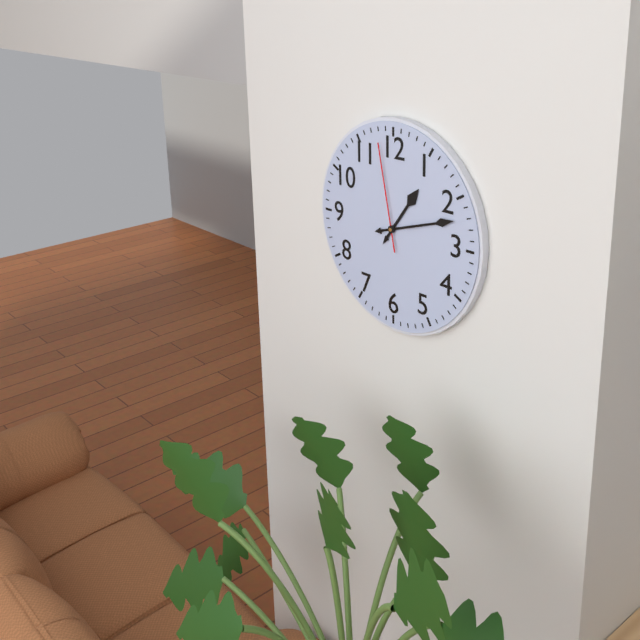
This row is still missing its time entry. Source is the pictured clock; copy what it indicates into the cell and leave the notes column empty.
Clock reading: 1:12:58
